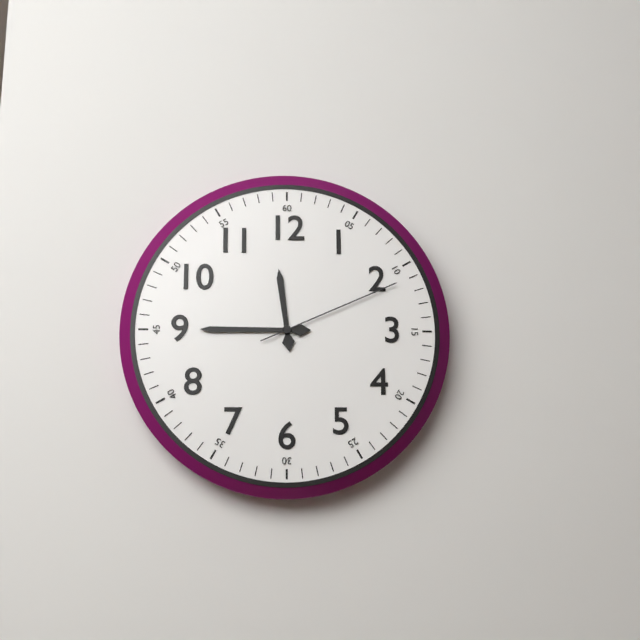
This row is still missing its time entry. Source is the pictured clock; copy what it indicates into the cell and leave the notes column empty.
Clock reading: 11:45:11
